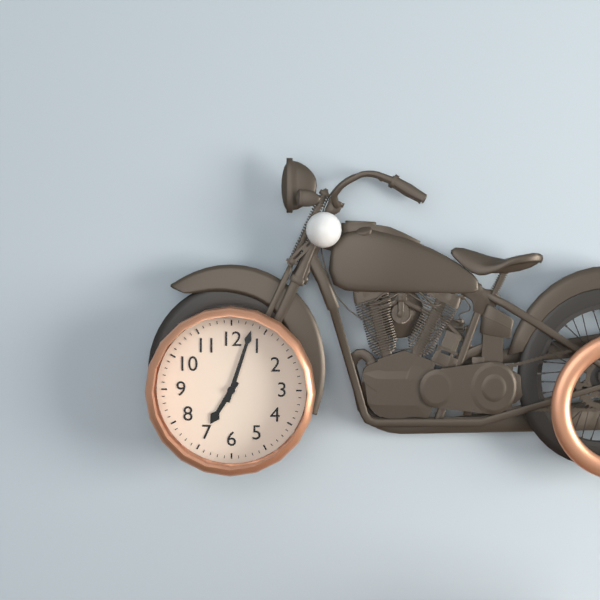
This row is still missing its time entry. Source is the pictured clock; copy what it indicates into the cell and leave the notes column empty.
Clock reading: 7:03
